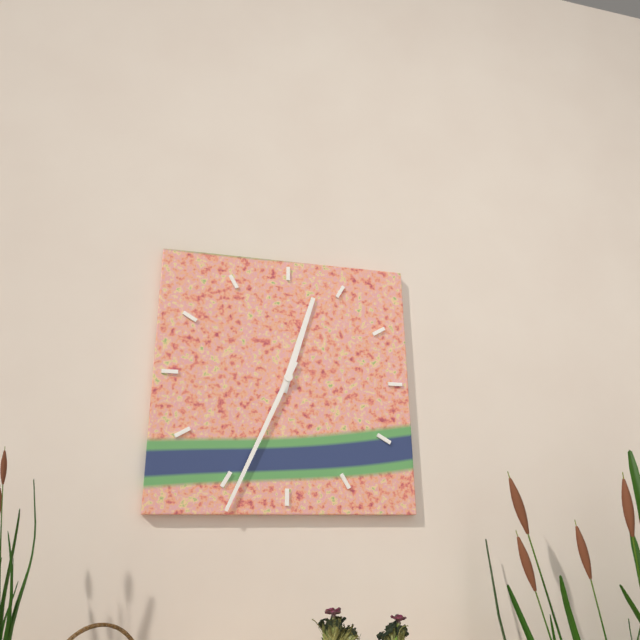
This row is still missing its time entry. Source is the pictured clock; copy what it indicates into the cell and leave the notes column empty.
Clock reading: 12:34
